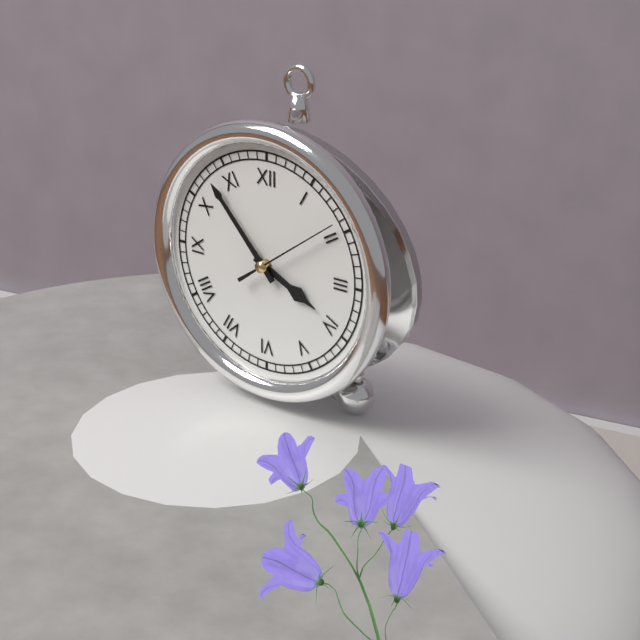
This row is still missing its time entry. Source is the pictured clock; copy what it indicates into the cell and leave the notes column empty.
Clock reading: 3:53:09
